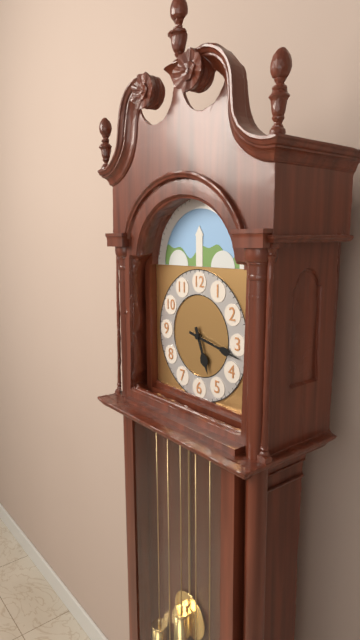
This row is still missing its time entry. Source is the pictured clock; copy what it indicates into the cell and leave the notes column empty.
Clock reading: 5:17
